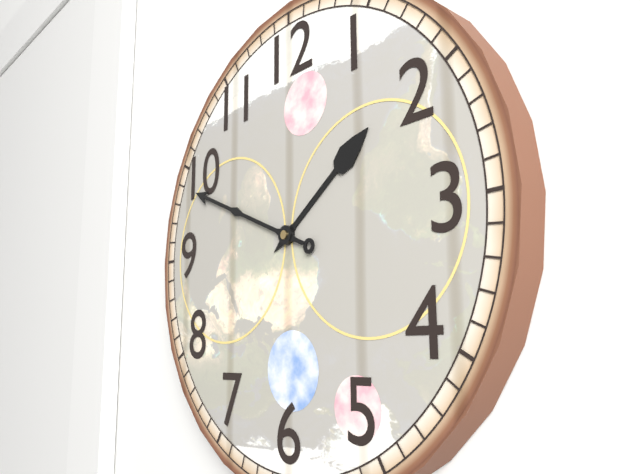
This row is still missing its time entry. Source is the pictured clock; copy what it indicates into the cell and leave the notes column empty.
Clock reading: 1:49
